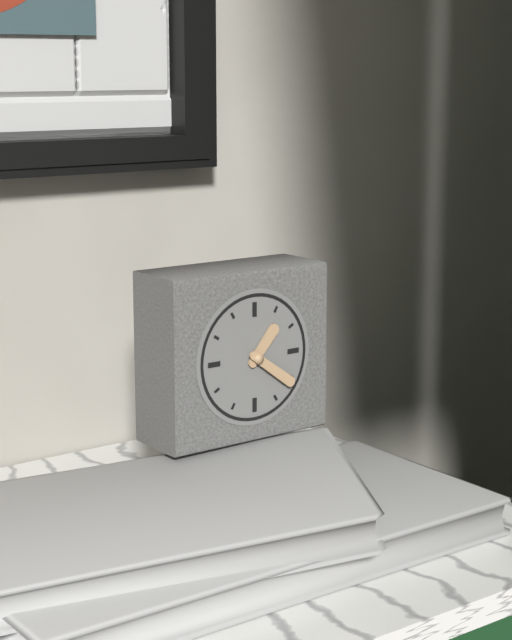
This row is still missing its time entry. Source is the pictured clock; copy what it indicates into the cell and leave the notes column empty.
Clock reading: 1:21
